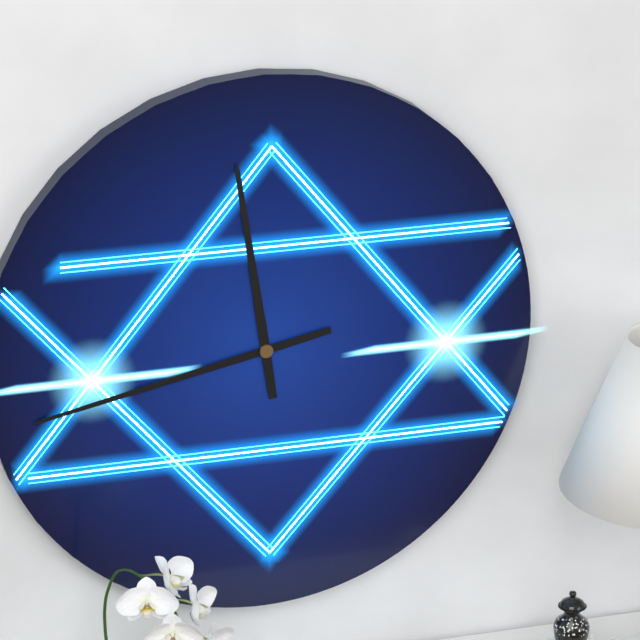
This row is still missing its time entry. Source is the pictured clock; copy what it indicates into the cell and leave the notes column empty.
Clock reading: 11:43
